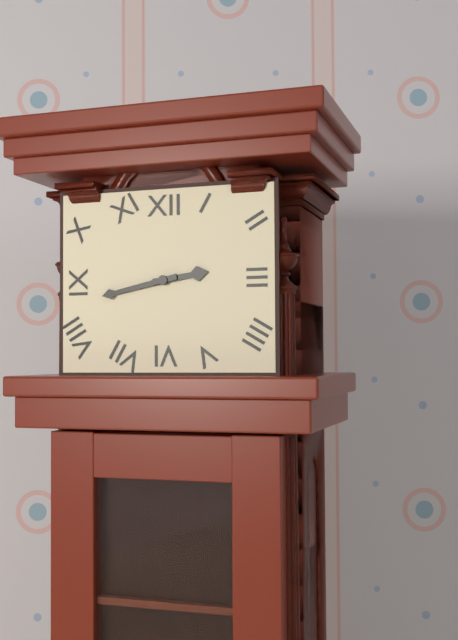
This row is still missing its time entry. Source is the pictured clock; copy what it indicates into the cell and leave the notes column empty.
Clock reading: 2:43
